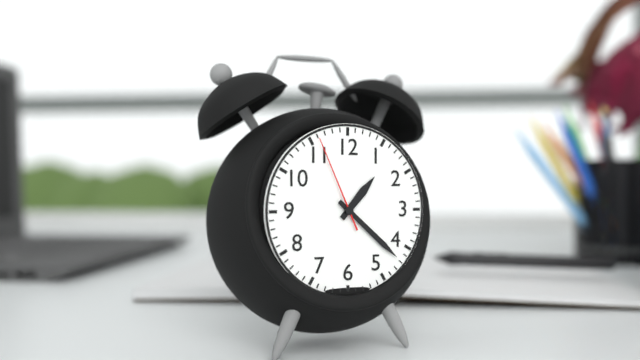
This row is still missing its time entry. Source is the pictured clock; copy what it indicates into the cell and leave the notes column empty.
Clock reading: 1:22:56
